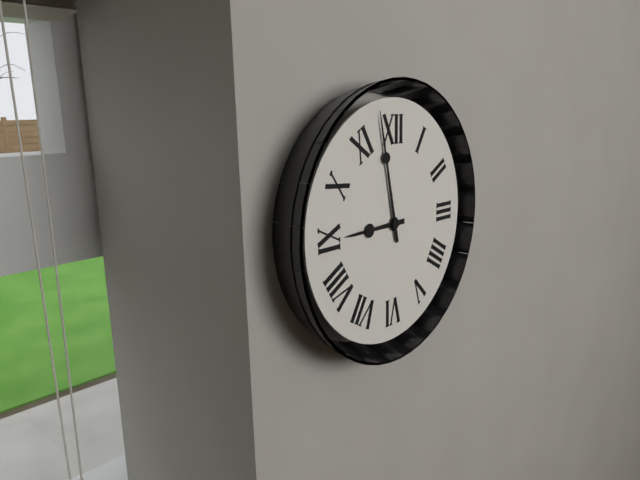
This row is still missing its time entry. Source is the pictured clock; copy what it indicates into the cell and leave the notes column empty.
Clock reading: 8:58
